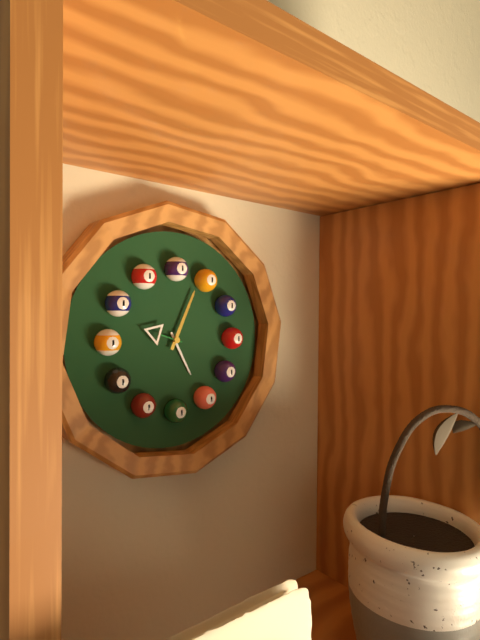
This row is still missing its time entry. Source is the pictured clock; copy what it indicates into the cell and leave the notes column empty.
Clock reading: 5:04
